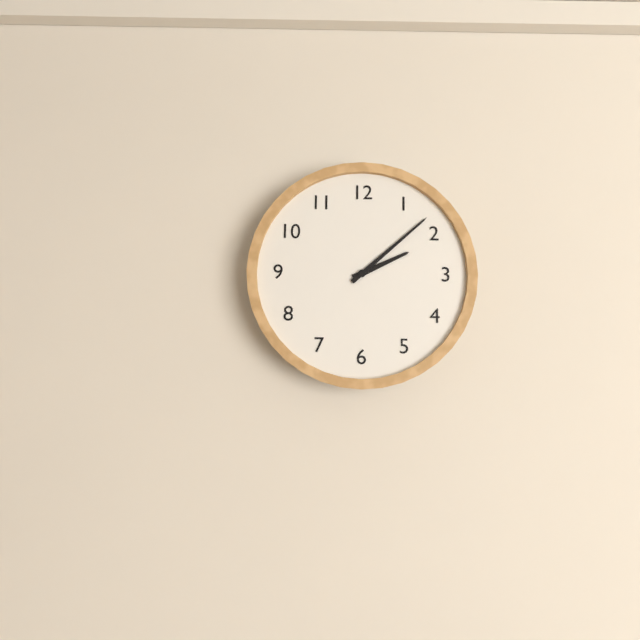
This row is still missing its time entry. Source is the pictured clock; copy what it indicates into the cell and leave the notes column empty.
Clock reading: 2:08
